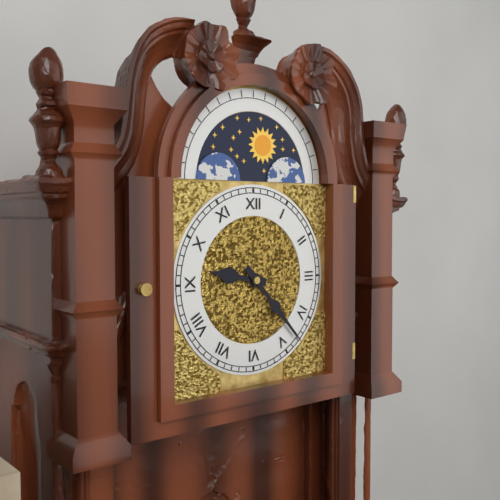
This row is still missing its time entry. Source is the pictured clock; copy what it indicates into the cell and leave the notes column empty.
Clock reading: 9:23
